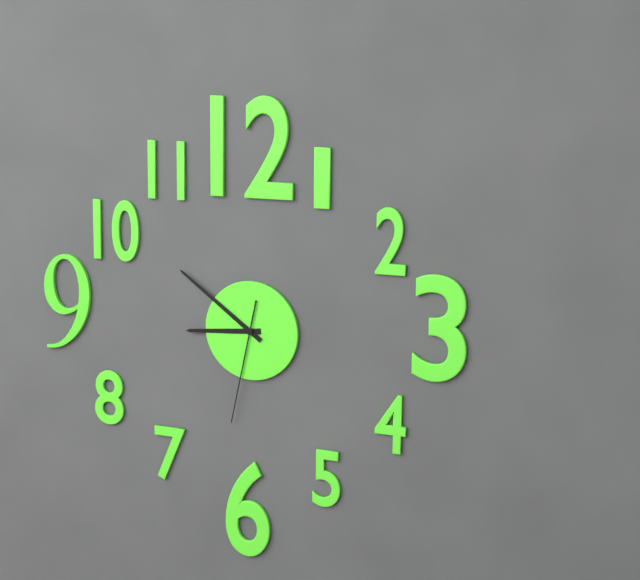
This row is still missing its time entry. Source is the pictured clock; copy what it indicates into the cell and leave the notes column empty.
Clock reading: 8:51:32
